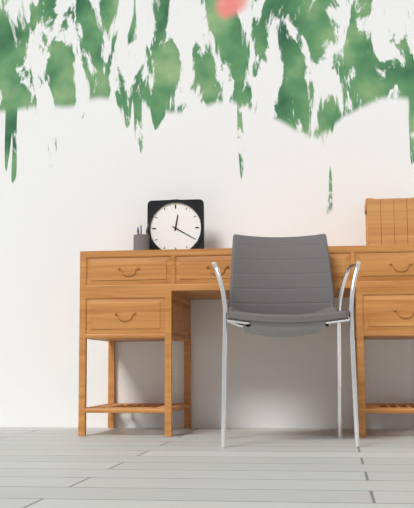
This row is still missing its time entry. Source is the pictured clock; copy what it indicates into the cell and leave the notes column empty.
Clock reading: 12:20
